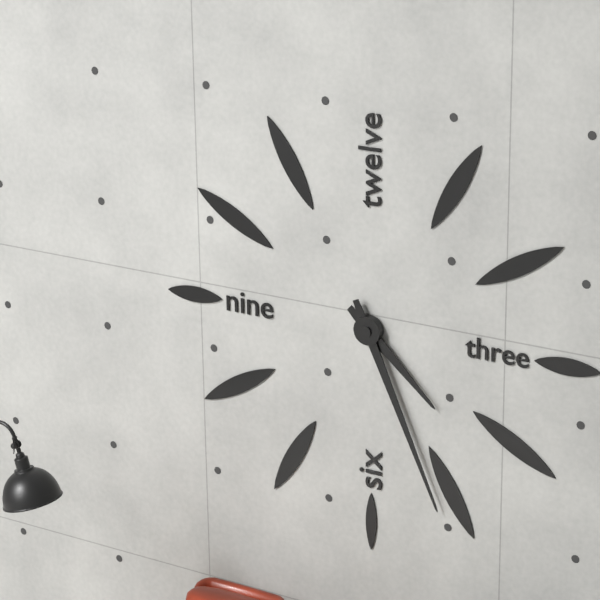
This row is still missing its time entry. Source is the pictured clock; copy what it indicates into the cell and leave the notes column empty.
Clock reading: 4:26
